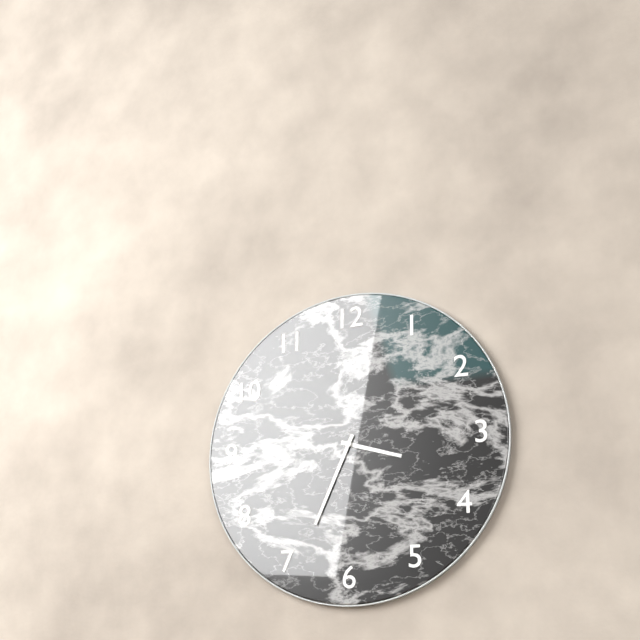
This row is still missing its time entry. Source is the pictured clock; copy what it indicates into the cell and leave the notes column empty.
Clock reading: 3:34
